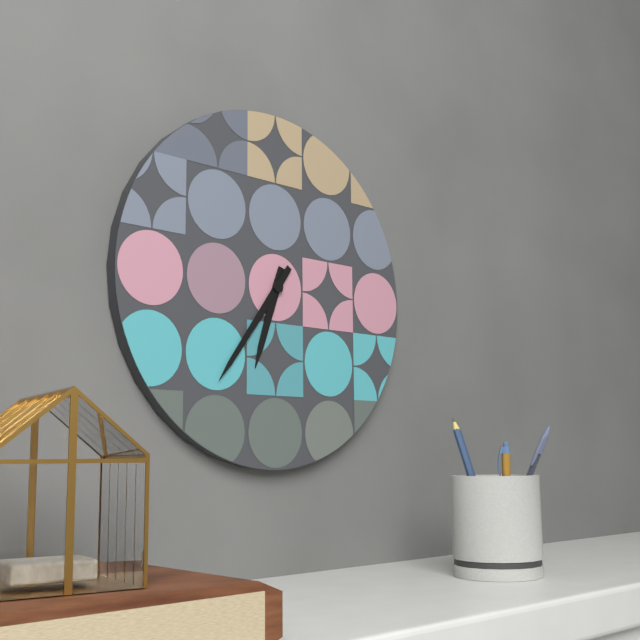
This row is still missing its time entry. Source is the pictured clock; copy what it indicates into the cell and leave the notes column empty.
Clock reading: 6:36
